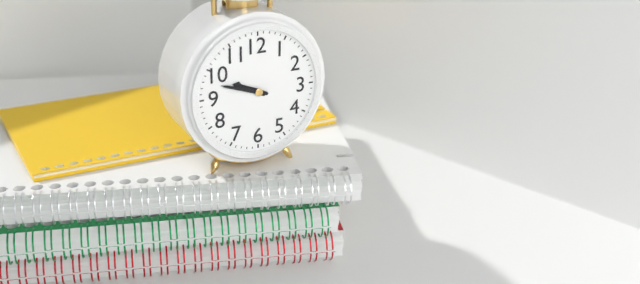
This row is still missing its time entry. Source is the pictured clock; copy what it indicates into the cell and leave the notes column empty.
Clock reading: 9:48
